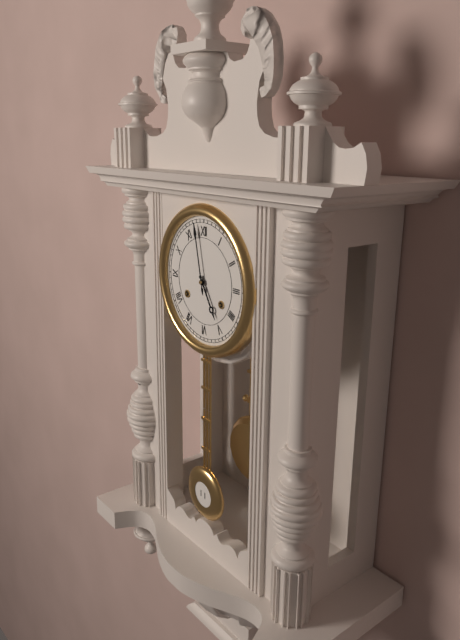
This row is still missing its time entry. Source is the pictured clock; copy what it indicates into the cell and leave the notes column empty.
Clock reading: 4:58
